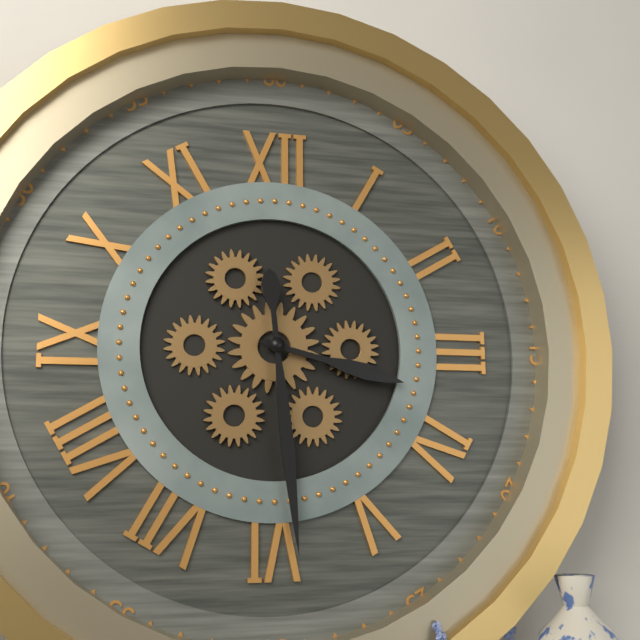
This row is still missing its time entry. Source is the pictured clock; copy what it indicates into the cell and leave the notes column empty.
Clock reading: 3:29
